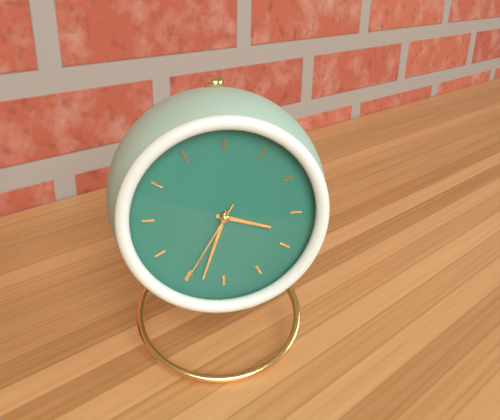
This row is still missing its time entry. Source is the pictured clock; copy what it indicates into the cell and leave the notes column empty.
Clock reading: 3:33:35
